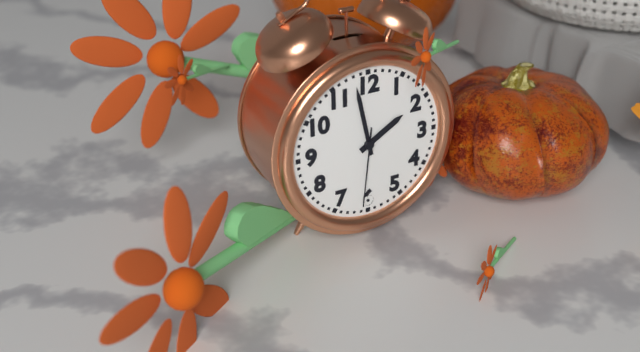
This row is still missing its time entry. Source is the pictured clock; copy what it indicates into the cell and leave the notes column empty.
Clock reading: 1:58:31
